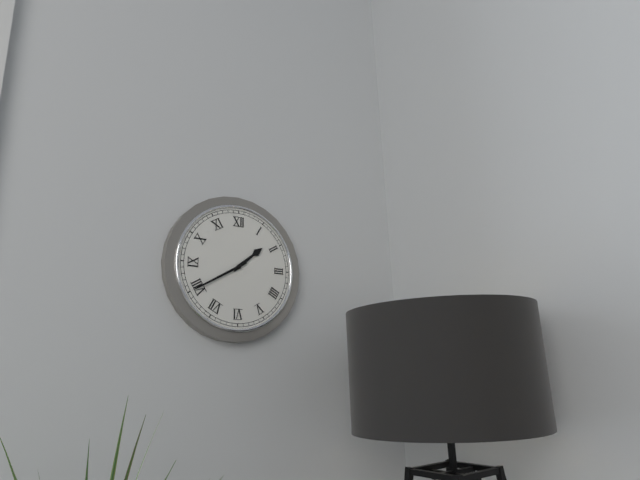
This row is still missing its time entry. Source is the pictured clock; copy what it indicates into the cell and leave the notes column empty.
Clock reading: 1:40
